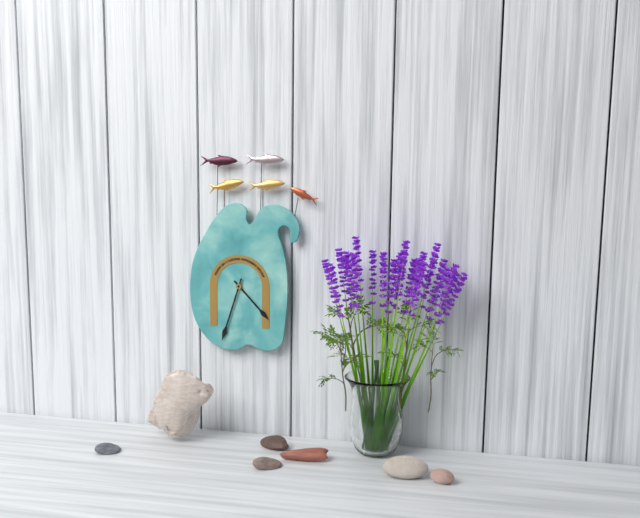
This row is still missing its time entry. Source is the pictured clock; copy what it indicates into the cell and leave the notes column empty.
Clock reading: 4:33
